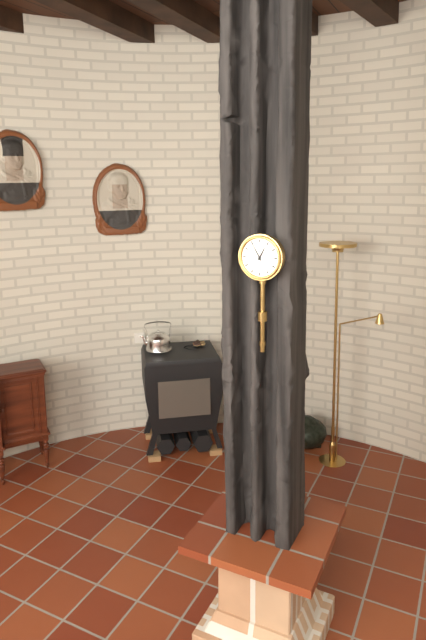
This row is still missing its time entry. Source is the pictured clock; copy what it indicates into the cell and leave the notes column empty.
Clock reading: 12:55
